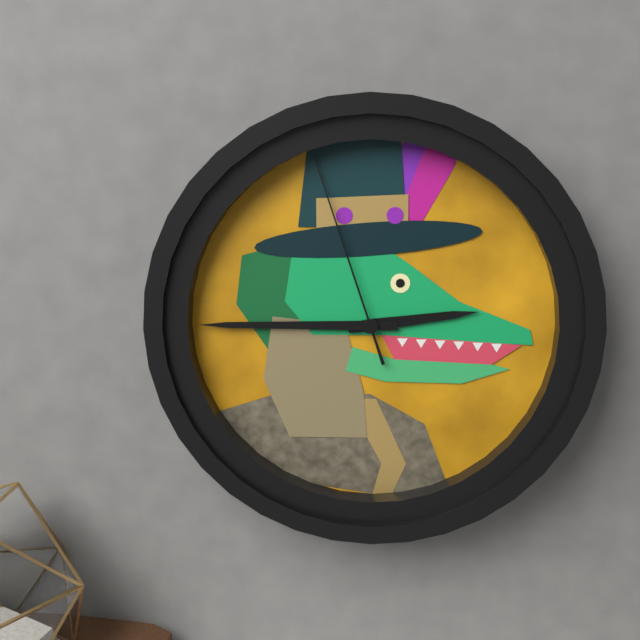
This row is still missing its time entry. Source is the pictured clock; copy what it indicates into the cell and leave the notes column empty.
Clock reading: 2:45:57
